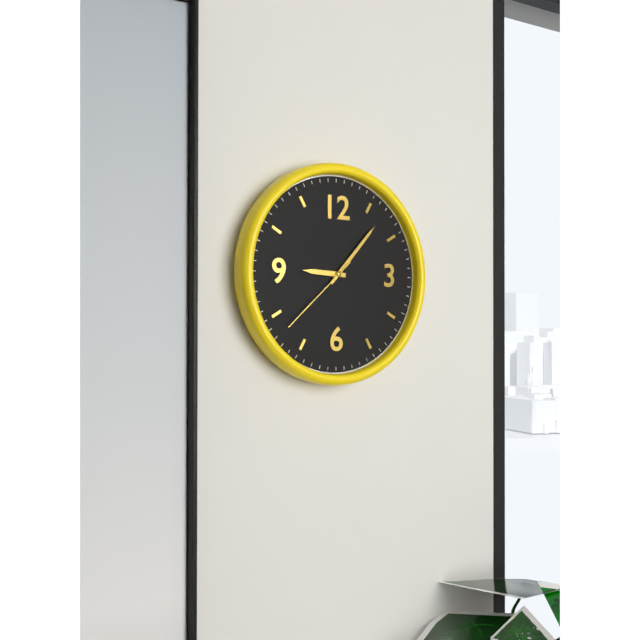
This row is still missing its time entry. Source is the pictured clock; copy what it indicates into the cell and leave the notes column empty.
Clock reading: 9:07:38
